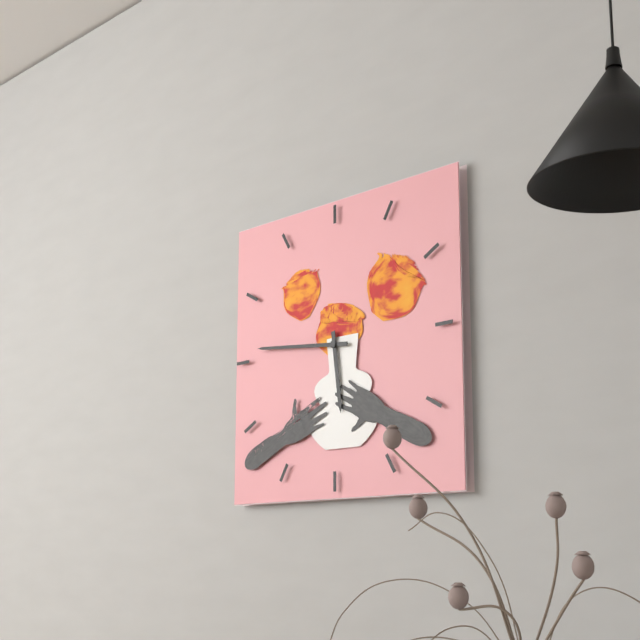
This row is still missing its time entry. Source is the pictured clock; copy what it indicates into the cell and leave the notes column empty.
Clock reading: 5:46
